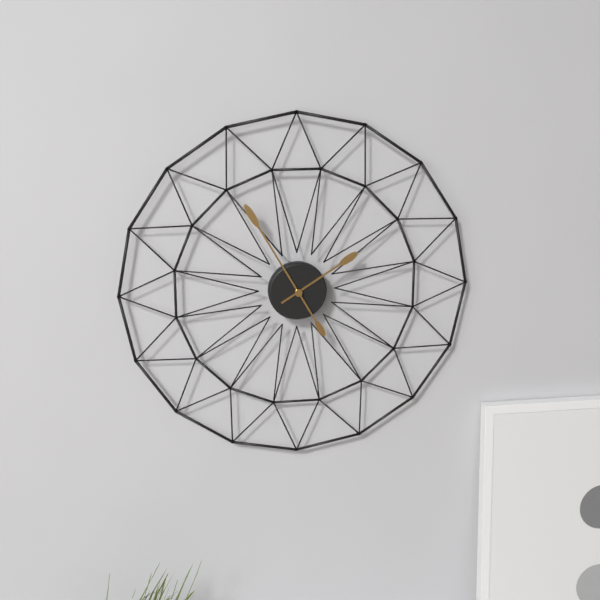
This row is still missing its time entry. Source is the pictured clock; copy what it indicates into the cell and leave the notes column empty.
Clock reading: 1:55
